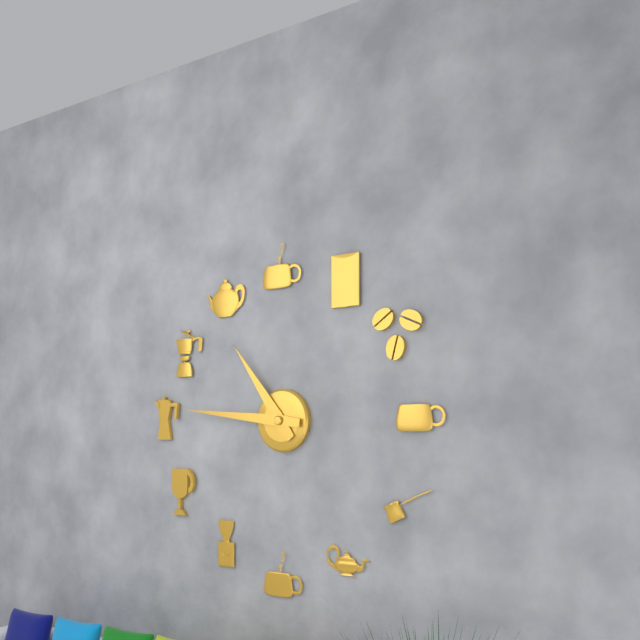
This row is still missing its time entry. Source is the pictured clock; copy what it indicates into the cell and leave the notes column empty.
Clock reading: 10:46
